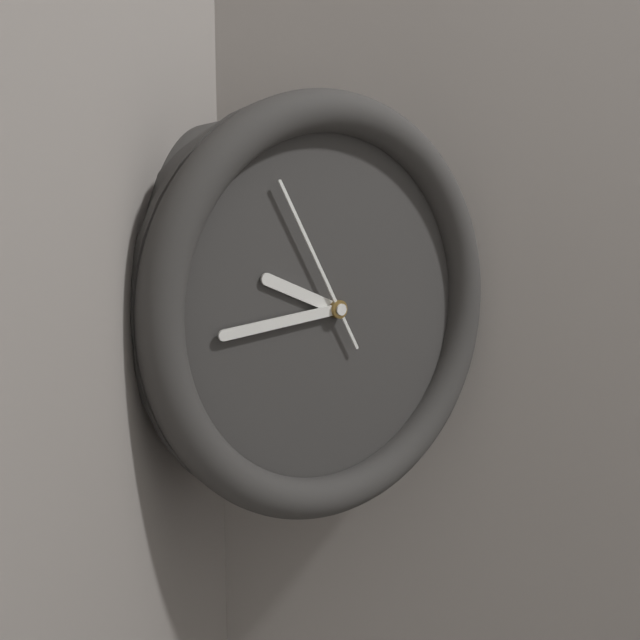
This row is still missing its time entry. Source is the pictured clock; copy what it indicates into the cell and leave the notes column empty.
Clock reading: 9:44:55
